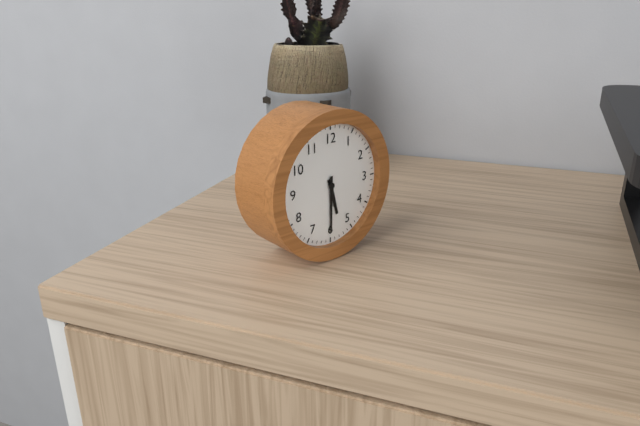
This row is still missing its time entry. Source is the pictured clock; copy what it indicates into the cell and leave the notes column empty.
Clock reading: 5:30
